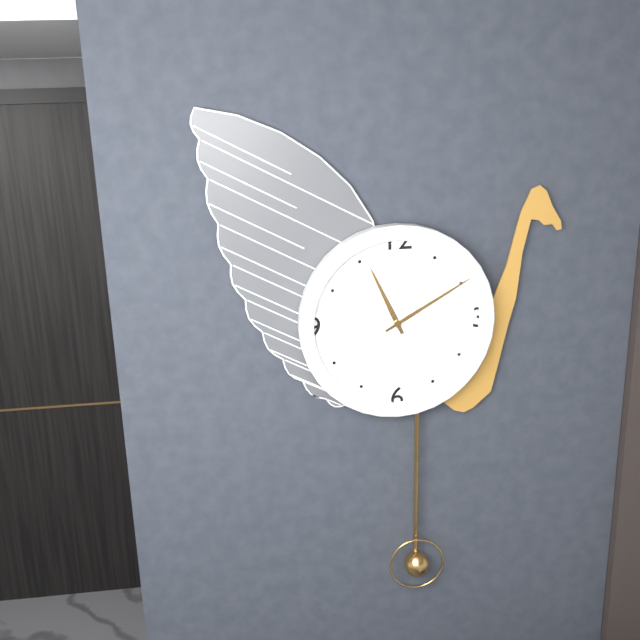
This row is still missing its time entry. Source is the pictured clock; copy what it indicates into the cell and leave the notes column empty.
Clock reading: 11:10
